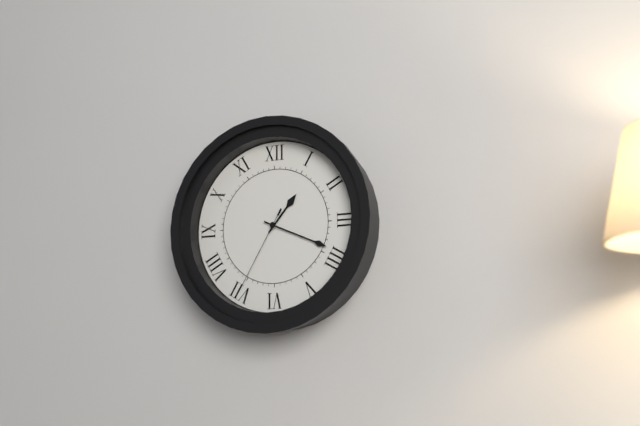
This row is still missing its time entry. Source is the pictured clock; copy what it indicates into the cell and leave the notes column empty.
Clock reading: 1:19:35
